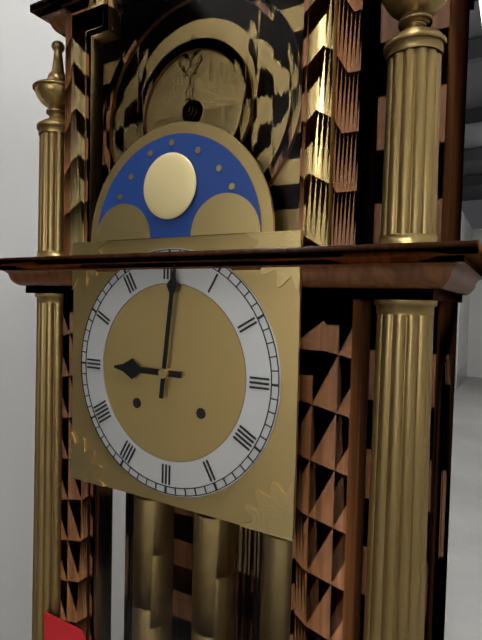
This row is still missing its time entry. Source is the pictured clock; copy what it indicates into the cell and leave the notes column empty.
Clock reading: 9:01
